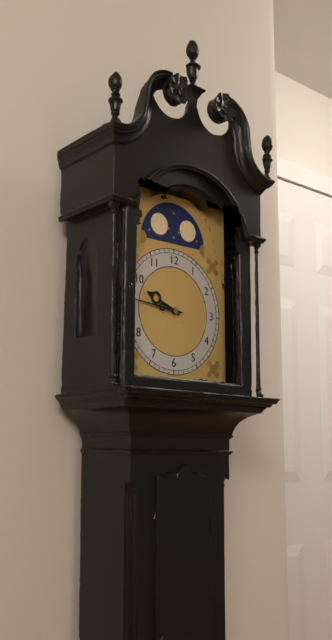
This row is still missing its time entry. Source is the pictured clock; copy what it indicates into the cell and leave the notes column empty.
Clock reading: 9:46
